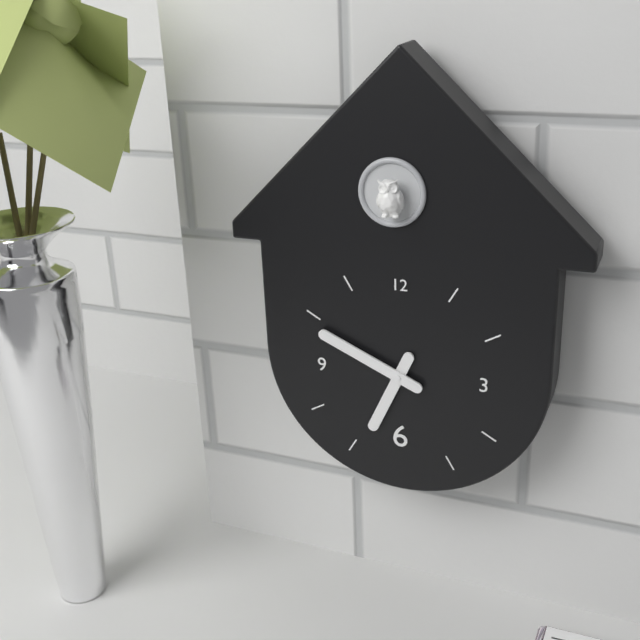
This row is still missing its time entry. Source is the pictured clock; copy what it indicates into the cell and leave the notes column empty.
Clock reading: 6:49
